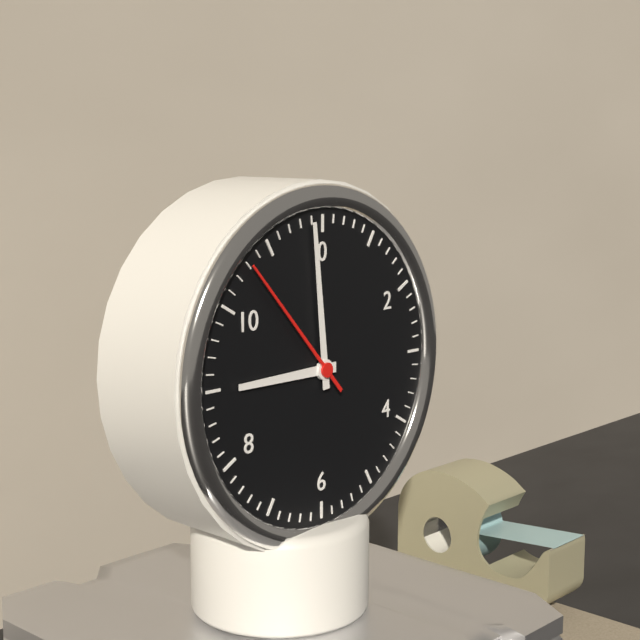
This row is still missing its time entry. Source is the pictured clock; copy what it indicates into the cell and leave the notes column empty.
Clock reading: 8:59:53
